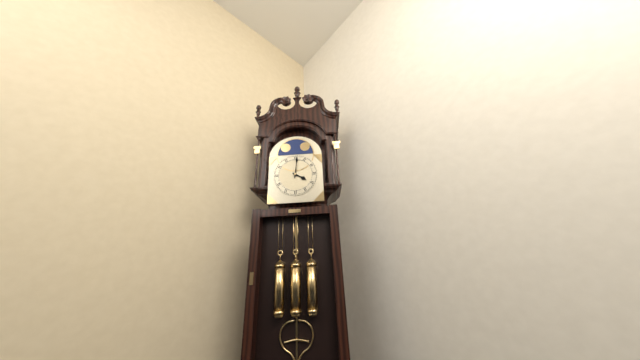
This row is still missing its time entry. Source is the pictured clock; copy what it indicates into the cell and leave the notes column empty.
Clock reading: 4:01
